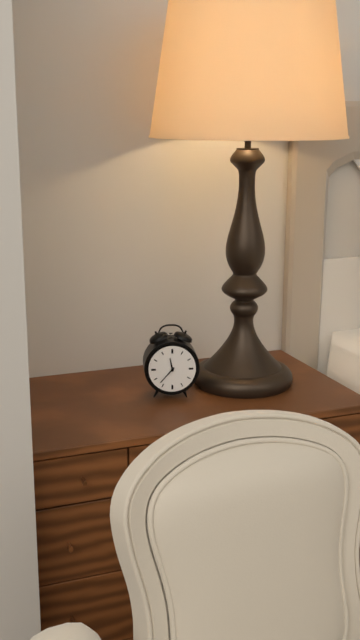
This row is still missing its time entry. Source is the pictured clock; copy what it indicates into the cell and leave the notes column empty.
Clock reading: 11:37
